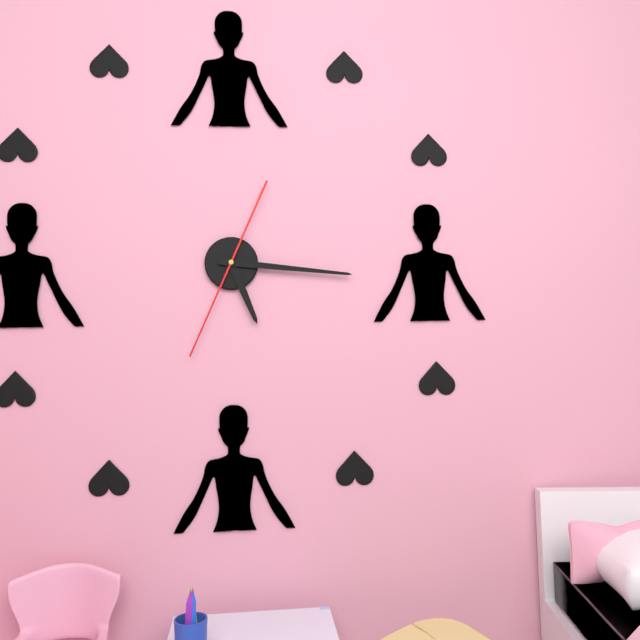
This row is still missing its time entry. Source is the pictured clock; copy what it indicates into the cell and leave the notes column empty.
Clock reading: 5:16:34
